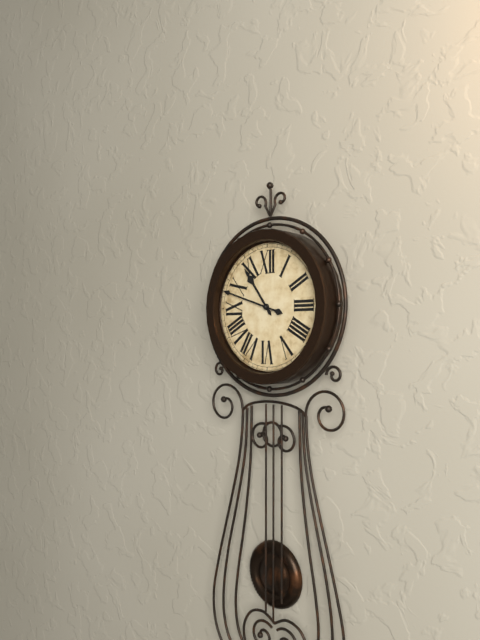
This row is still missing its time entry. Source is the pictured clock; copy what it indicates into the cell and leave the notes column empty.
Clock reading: 10:48
